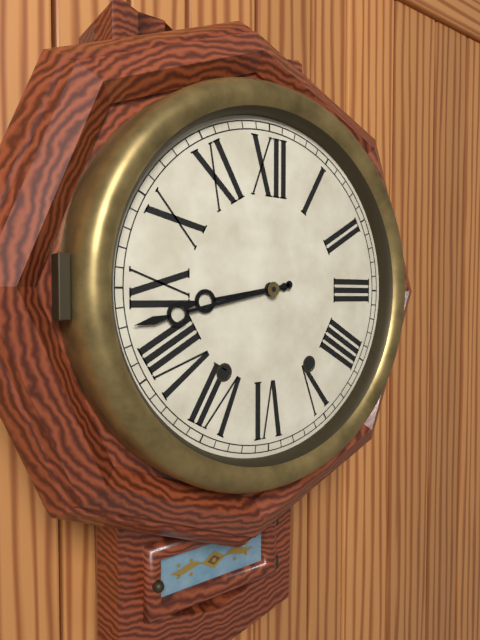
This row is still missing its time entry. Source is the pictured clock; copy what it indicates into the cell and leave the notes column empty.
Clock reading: 8:43
